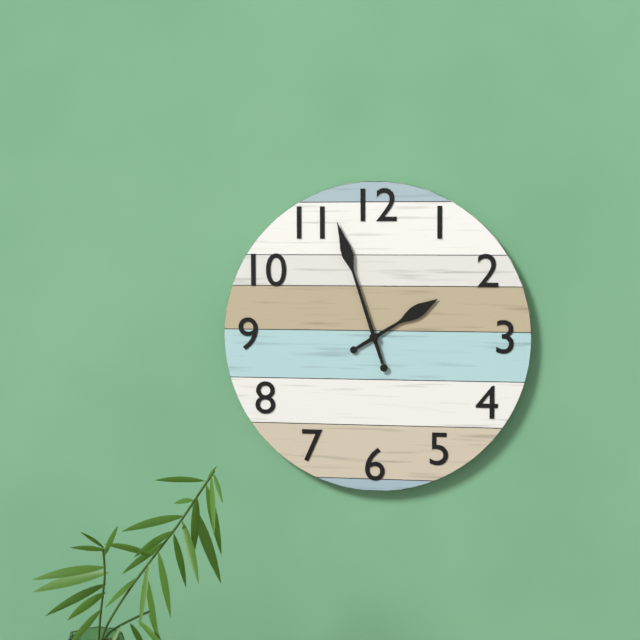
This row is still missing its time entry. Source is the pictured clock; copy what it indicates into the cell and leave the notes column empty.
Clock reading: 1:57
